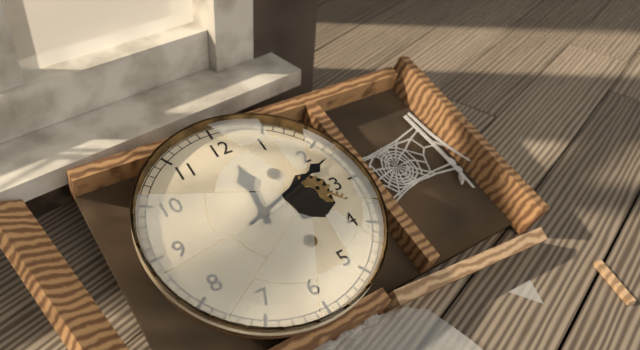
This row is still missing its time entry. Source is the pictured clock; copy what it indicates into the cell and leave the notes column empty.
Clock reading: 12:12
